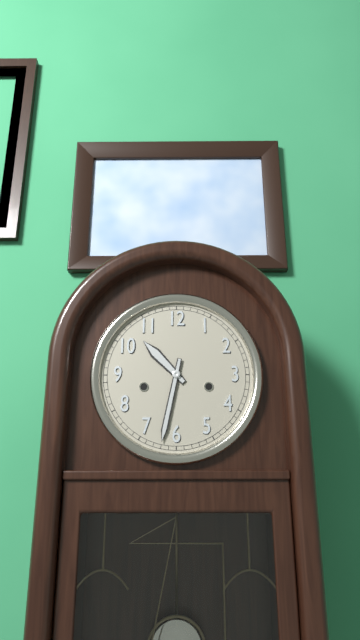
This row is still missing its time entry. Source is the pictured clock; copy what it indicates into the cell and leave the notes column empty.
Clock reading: 10:32
